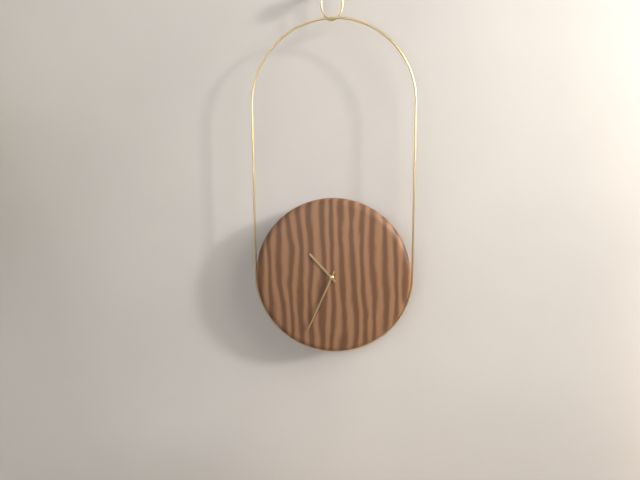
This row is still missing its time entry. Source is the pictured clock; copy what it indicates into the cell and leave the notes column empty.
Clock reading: 10:34
